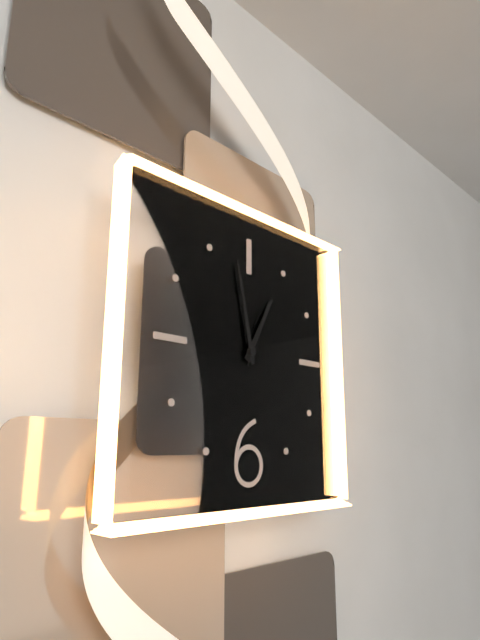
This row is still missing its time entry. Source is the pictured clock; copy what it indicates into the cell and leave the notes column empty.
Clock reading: 12:58:04
